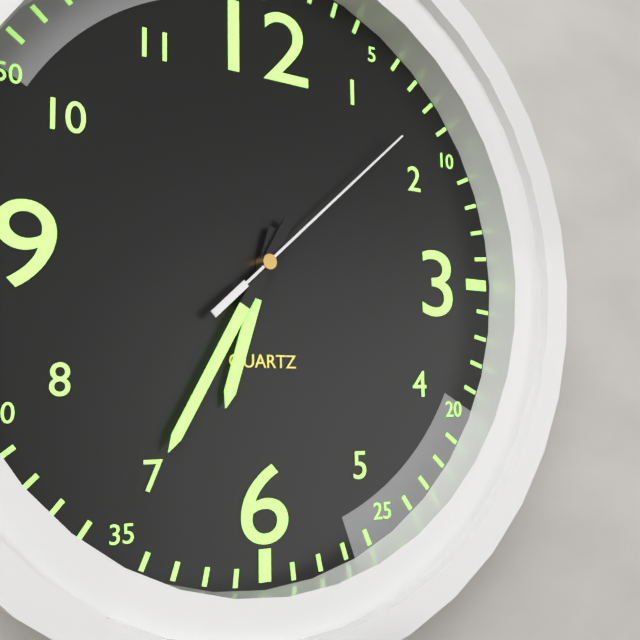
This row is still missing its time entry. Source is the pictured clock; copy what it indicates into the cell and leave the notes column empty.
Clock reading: 6:35:08
